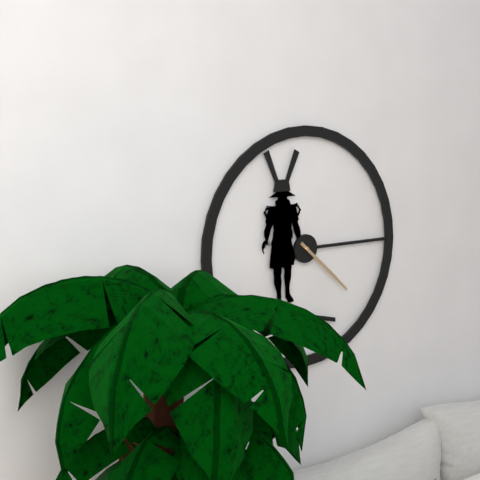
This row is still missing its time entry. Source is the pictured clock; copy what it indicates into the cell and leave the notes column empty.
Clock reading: 4:22
